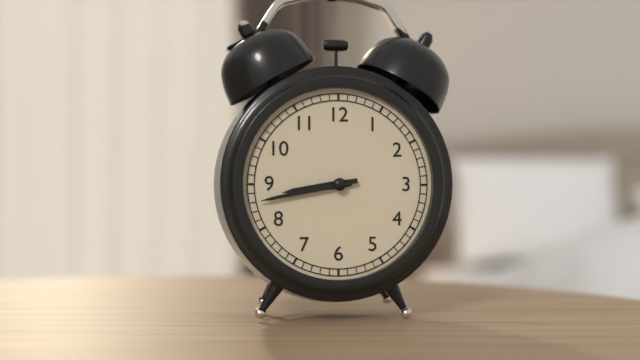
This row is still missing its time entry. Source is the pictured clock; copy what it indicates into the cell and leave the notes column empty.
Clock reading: 8:43
